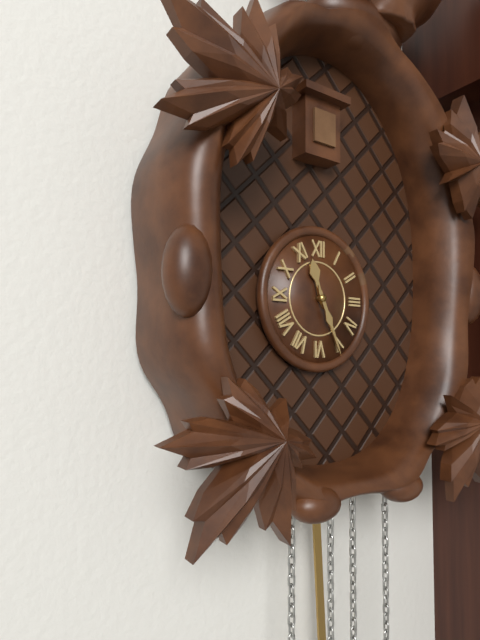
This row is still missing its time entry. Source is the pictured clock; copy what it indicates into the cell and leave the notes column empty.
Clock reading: 11:26
